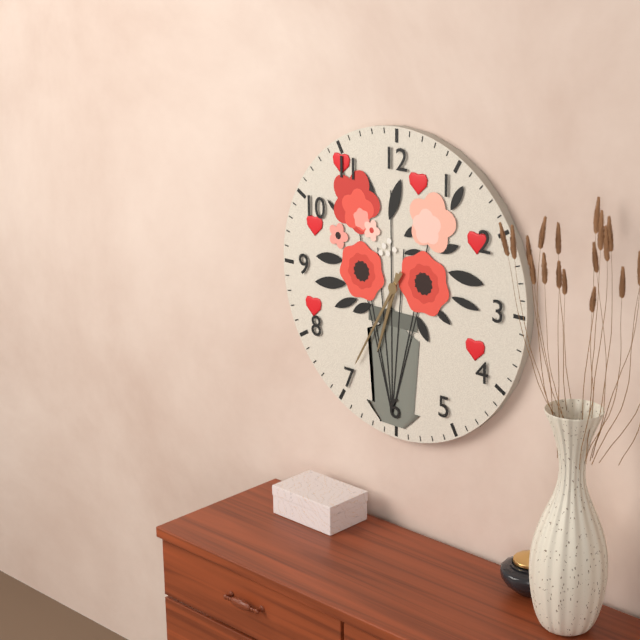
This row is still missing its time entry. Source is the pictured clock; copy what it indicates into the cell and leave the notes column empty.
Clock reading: 6:35
